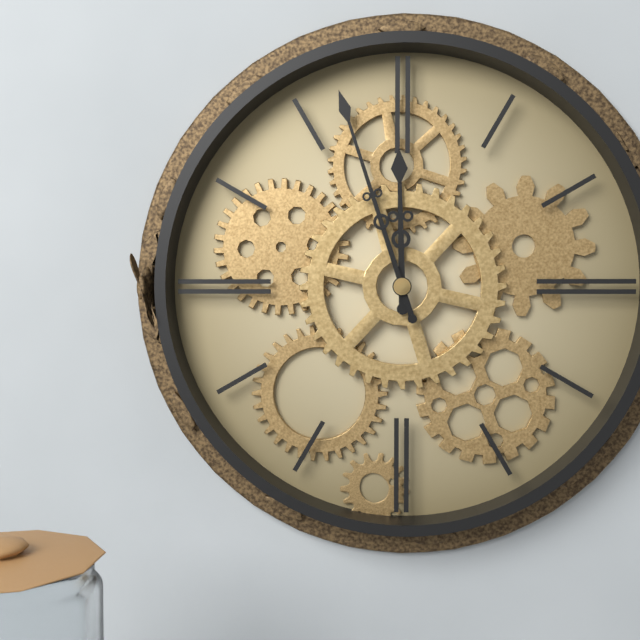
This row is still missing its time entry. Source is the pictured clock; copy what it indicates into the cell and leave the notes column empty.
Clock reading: 11:57
